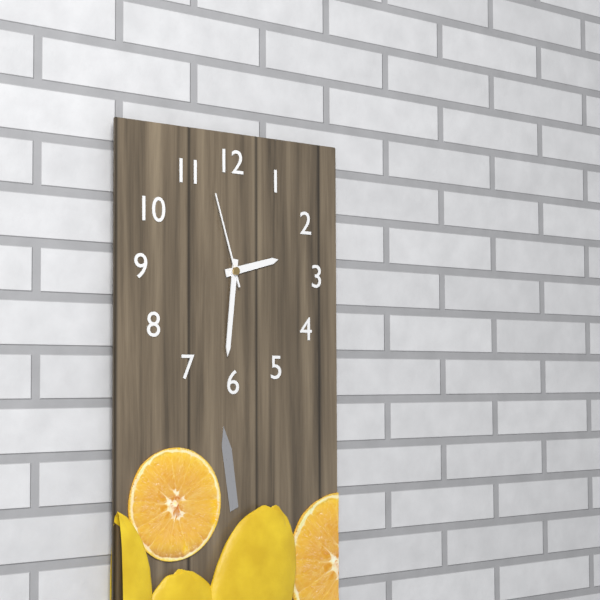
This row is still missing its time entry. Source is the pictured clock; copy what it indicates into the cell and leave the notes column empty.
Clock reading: 2:31:57
